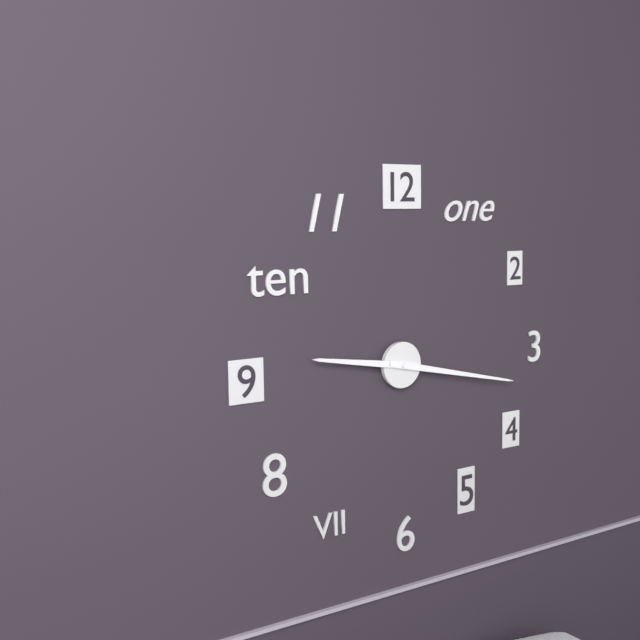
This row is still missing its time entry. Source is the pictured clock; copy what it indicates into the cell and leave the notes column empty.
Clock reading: 9:17
